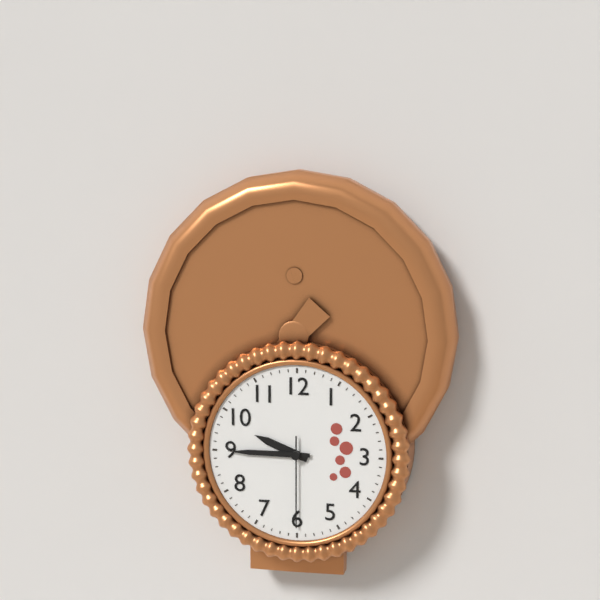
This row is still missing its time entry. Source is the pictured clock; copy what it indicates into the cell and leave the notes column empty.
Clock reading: 9:45:30
